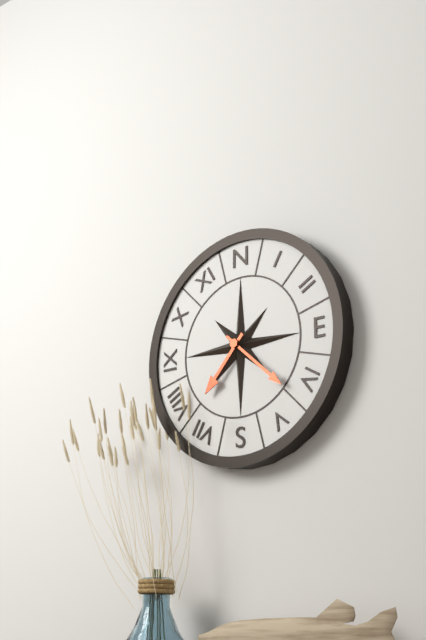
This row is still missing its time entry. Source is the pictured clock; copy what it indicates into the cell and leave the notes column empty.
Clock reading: 7:22
